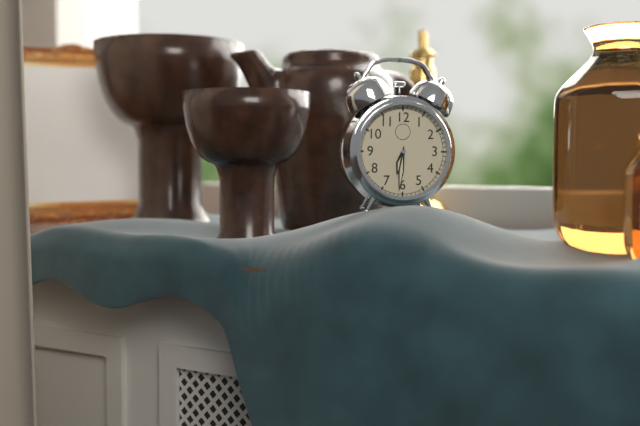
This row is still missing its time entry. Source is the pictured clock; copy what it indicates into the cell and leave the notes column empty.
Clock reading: 6:31
